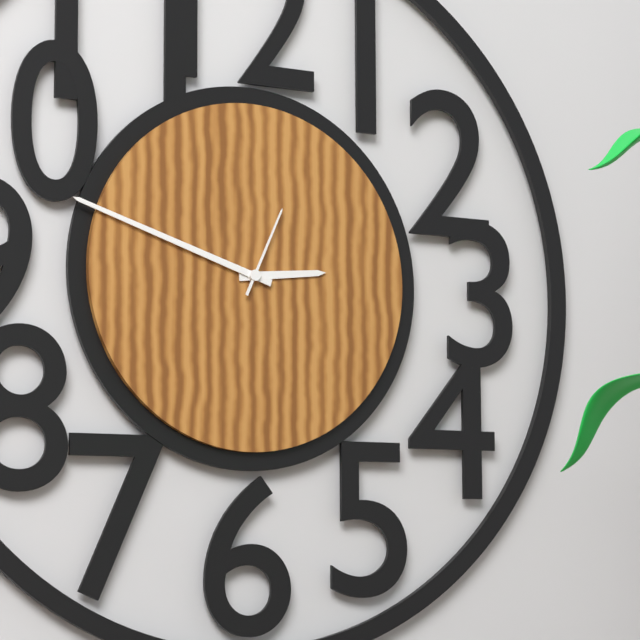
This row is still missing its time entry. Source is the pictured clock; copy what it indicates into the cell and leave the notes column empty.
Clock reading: 2:48:04
